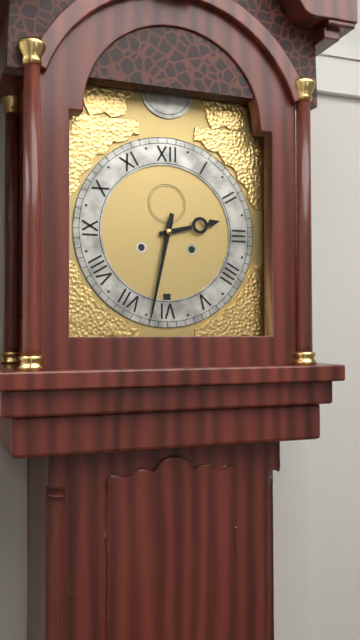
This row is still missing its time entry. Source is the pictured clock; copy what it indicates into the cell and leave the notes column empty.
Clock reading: 2:32
